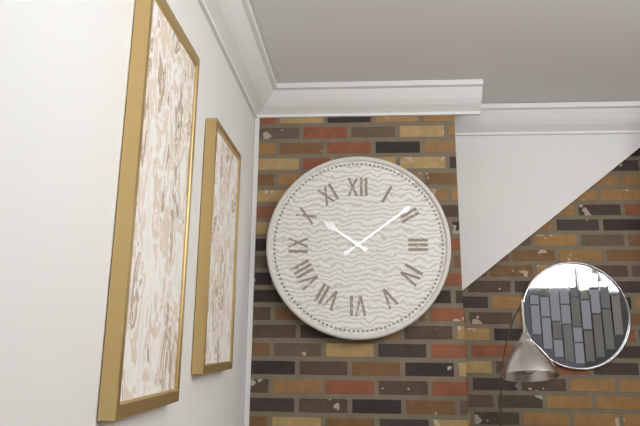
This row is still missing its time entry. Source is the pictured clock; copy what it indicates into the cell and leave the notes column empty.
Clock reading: 10:09
